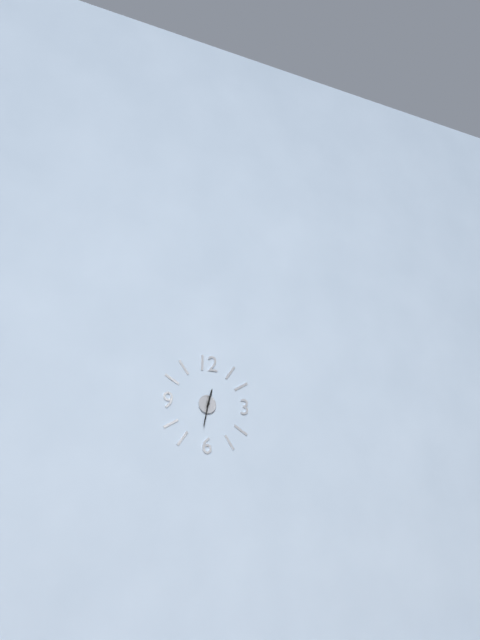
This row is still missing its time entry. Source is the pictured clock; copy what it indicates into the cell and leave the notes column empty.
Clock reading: 12:32
